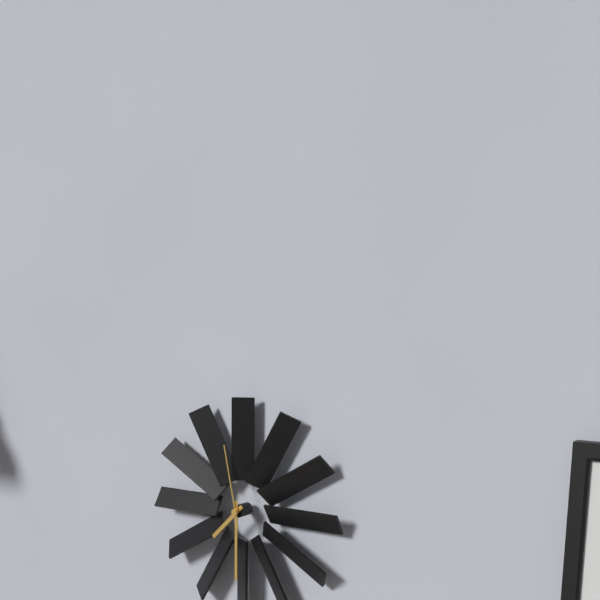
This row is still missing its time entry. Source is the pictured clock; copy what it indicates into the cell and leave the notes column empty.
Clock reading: 7:30:58
